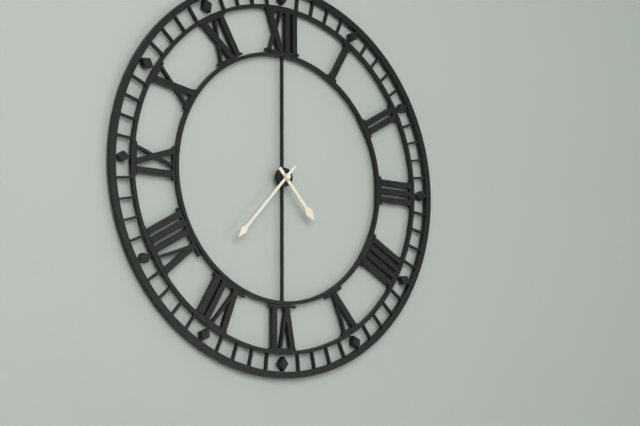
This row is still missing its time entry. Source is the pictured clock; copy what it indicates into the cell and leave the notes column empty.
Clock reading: 4:37
